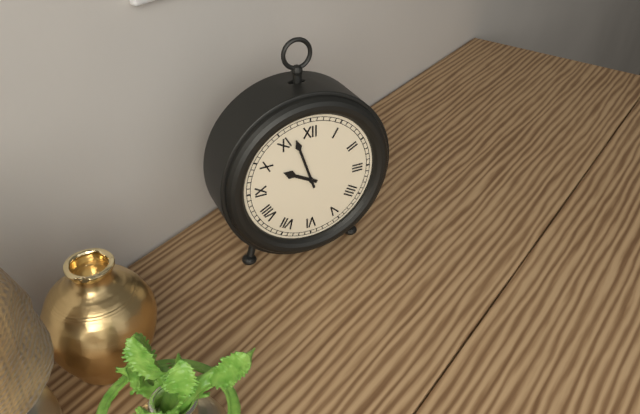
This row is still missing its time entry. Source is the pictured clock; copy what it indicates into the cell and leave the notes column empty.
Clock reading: 9:57
